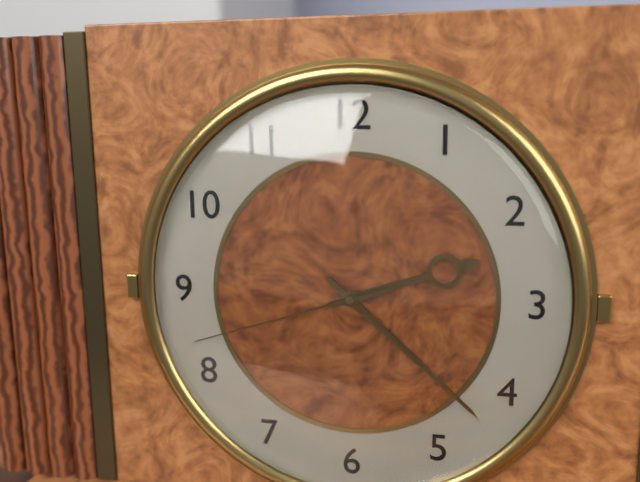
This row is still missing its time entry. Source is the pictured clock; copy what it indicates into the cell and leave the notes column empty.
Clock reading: 2:22:42
